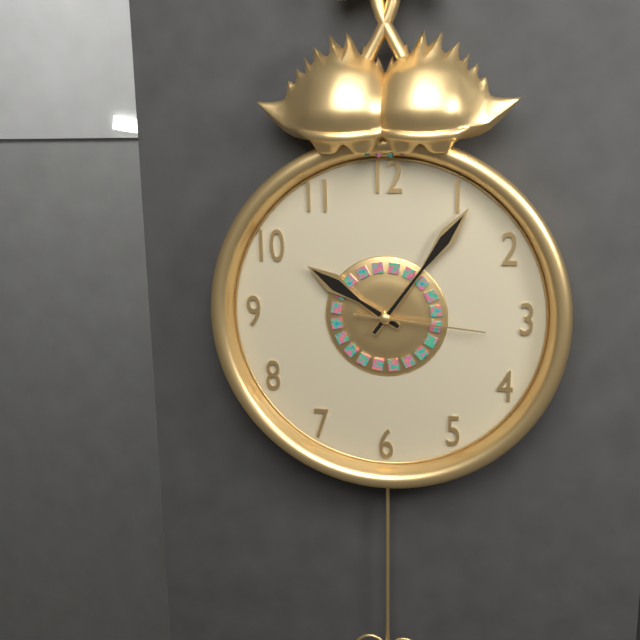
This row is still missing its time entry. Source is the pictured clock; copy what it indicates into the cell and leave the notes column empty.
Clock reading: 10:06:16
